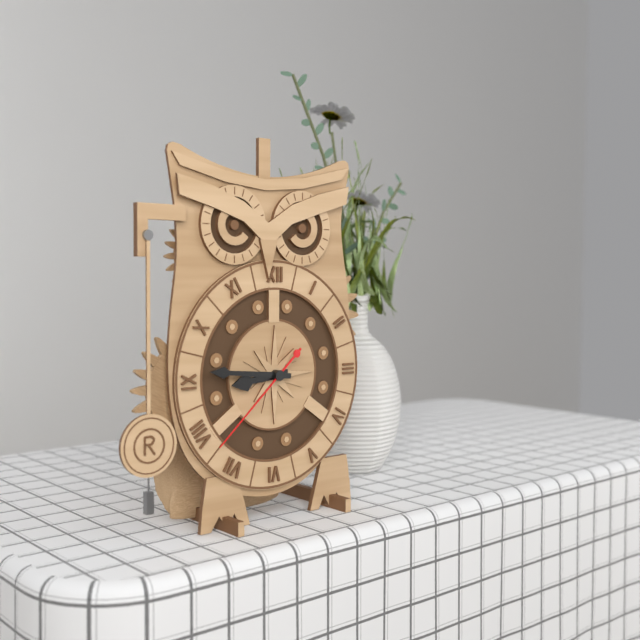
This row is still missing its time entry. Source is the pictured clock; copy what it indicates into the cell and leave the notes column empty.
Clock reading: 8:46:38
